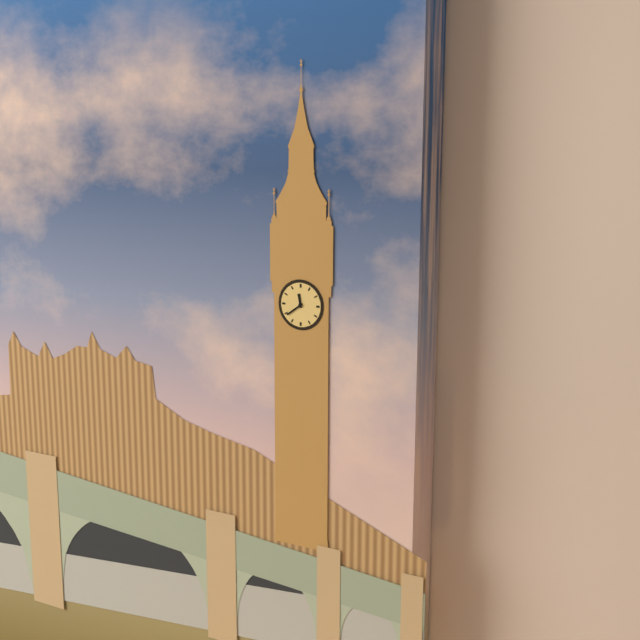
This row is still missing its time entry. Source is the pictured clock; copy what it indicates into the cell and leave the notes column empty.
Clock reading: 11:39
